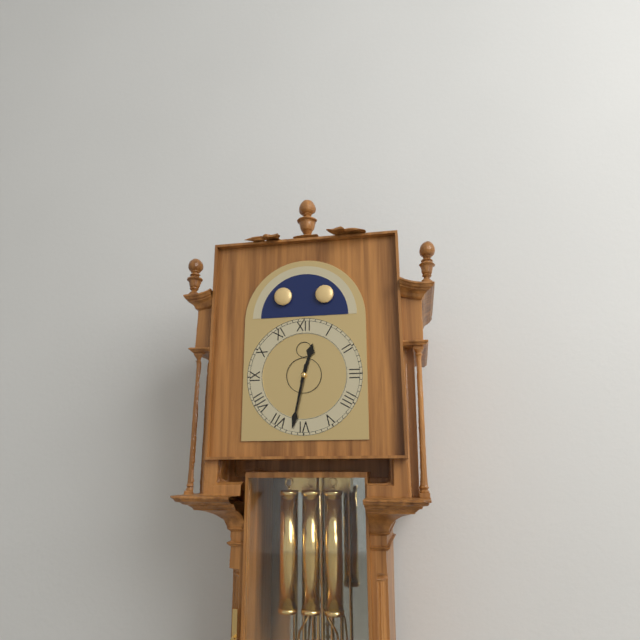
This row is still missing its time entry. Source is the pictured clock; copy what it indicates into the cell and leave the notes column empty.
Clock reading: 12:32
